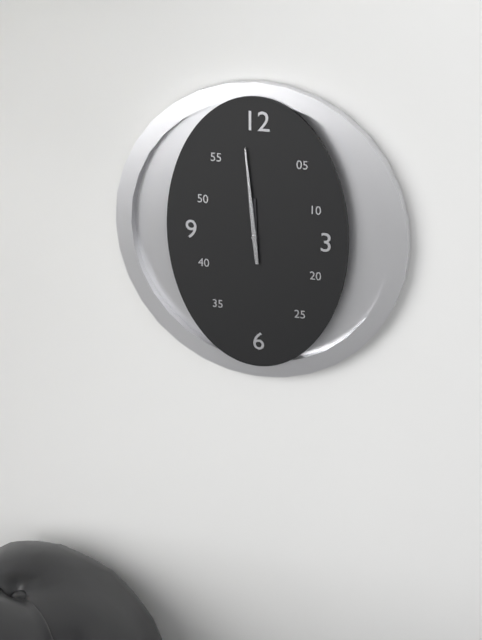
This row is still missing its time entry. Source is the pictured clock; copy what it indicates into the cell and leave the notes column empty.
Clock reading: 11:59
